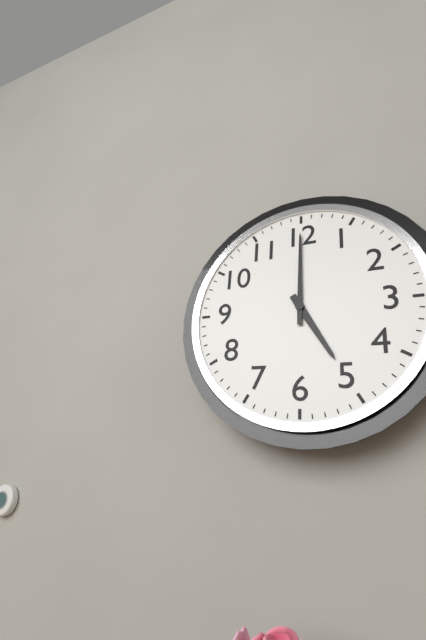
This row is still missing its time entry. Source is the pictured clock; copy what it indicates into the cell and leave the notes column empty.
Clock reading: 5:00
